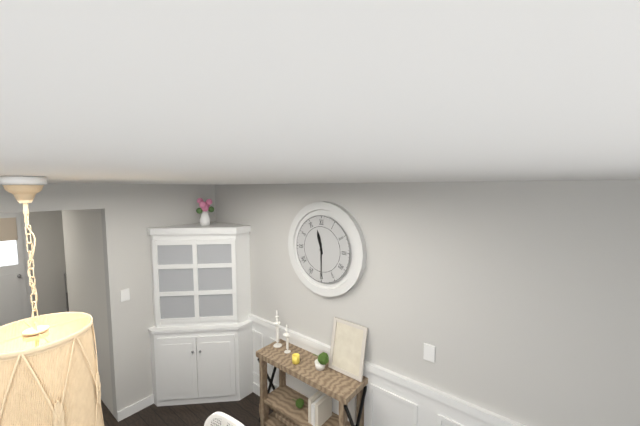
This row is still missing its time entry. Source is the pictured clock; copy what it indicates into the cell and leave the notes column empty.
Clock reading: 11:30
